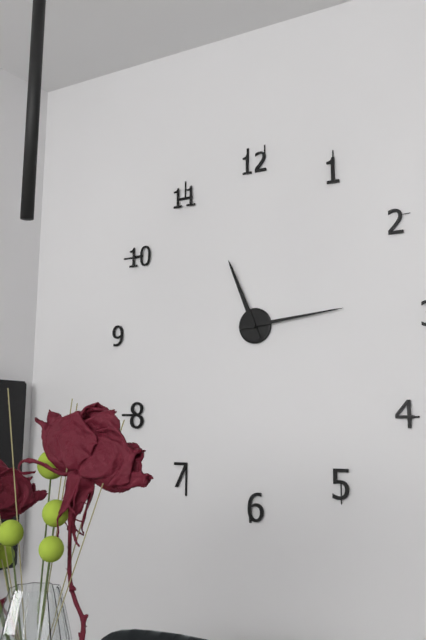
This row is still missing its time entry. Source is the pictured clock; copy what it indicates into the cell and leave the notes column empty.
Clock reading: 11:14
